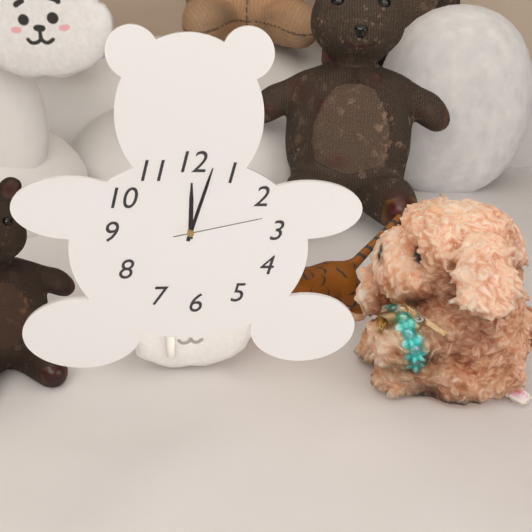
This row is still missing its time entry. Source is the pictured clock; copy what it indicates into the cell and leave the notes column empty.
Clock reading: 12:03:13
